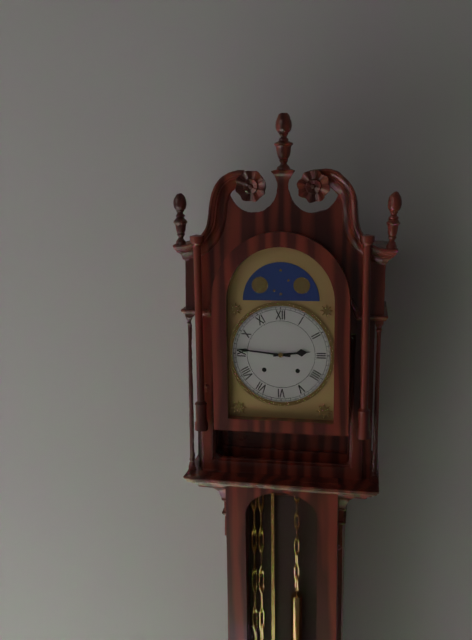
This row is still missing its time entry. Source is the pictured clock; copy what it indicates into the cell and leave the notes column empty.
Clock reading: 2:46
